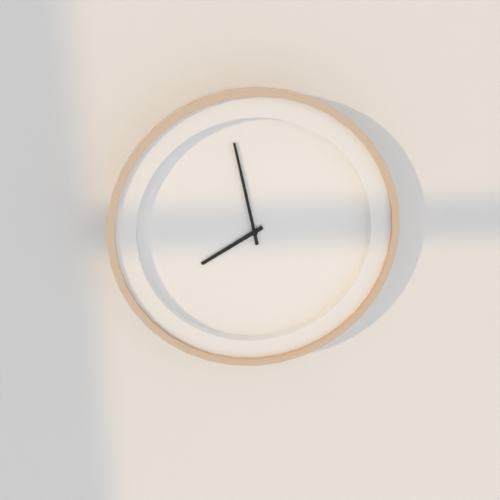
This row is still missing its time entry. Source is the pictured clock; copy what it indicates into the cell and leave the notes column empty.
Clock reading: 7:58
